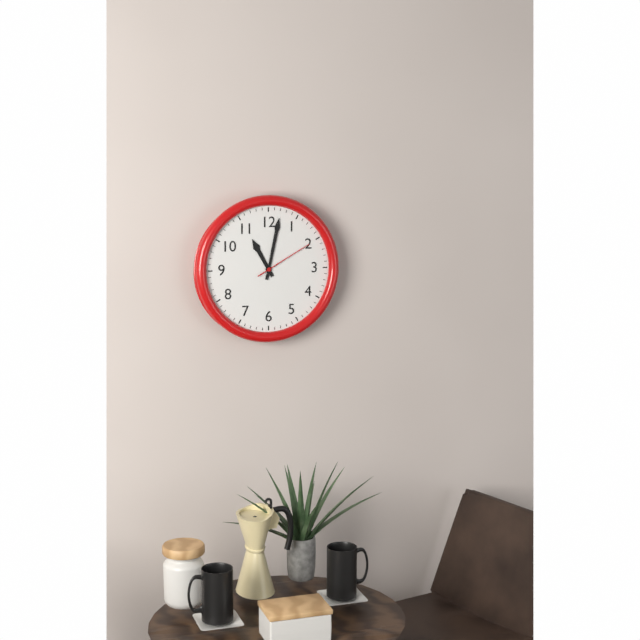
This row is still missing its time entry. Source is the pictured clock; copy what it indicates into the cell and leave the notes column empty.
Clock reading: 11:02:10
